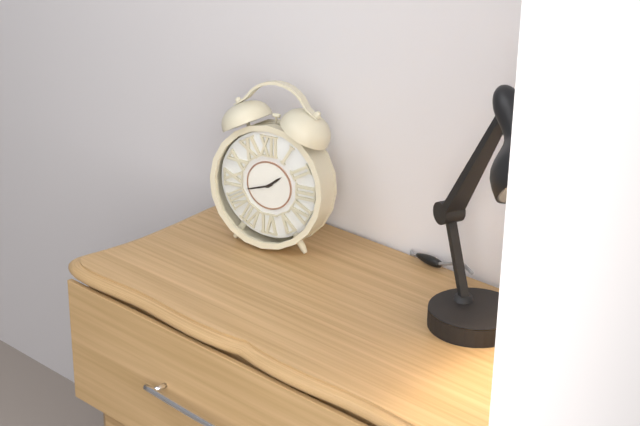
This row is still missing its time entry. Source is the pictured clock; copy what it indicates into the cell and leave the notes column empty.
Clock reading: 1:42
